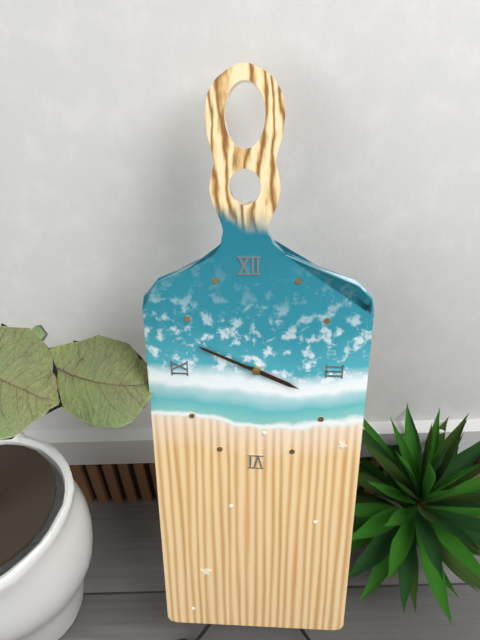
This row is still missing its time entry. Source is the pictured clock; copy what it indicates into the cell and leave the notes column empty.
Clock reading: 3:49
